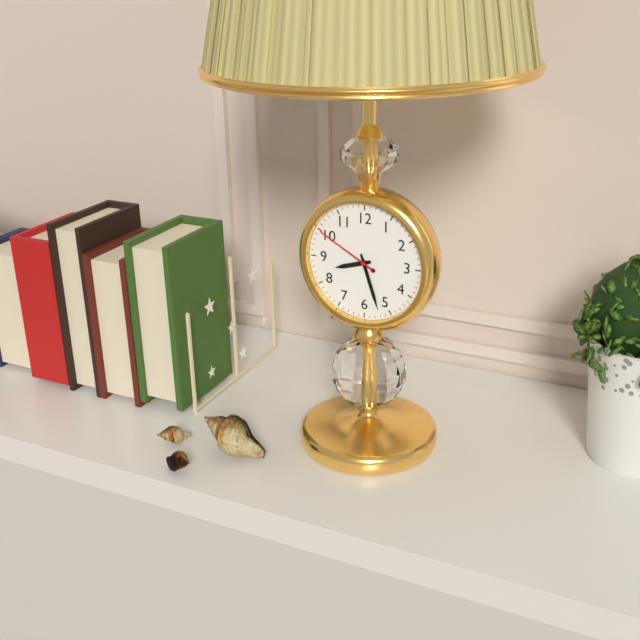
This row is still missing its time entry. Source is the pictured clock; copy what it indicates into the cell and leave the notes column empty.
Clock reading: 8:27:50
